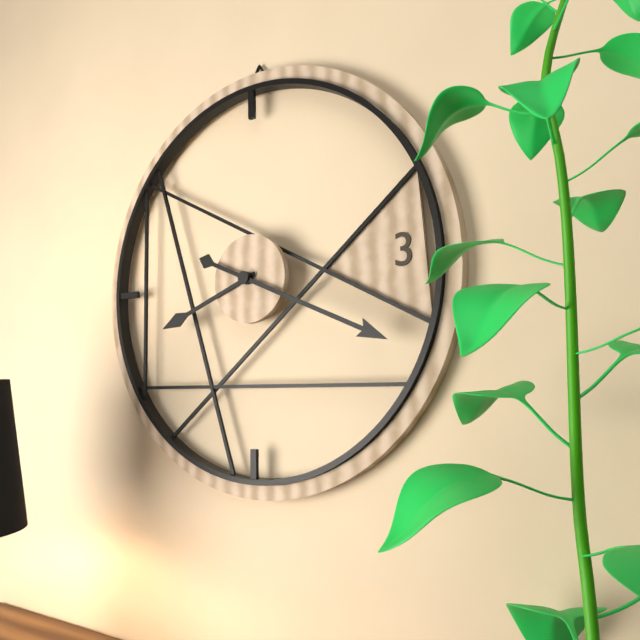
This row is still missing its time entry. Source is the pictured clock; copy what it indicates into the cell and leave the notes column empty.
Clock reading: 8:19
